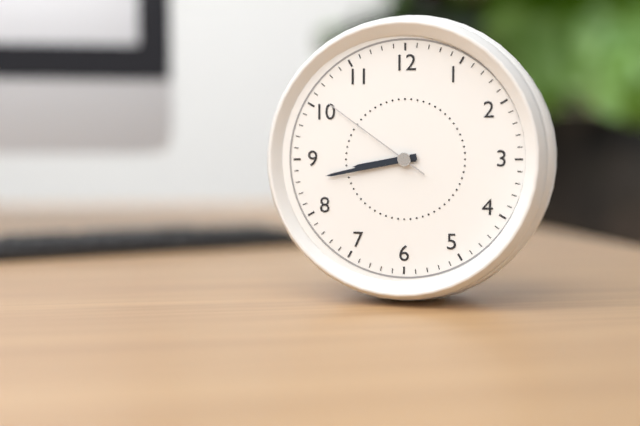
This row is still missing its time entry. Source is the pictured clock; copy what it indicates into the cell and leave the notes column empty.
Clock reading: 8:43:51
